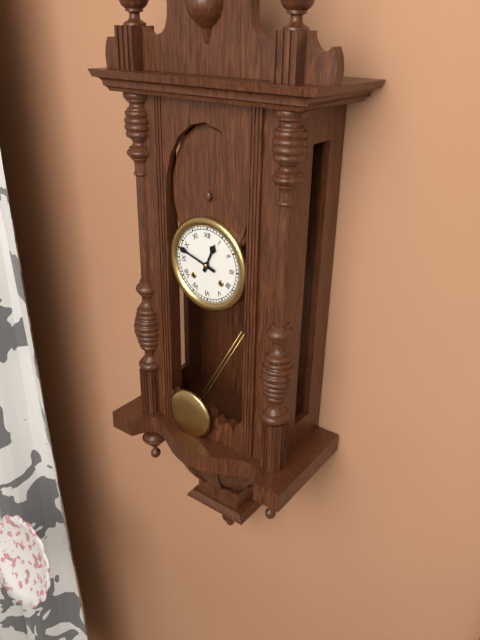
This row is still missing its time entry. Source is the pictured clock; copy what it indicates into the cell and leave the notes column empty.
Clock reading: 12:48
